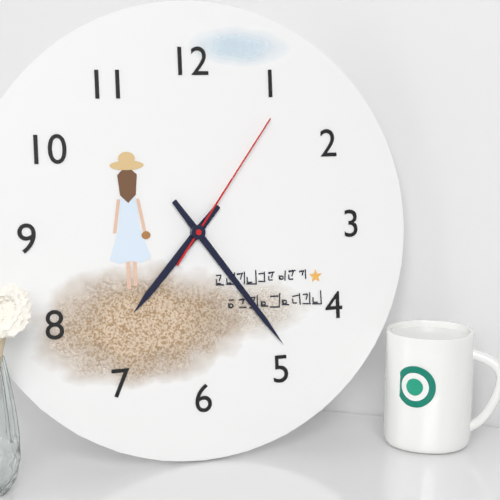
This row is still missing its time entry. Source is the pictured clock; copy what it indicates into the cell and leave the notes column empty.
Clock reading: 7:24:06
